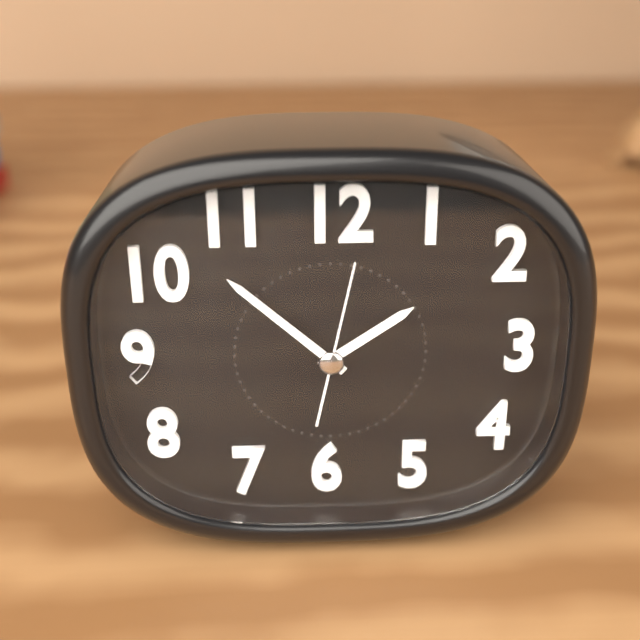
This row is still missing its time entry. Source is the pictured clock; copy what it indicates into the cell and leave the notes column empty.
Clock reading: 1:52:02
